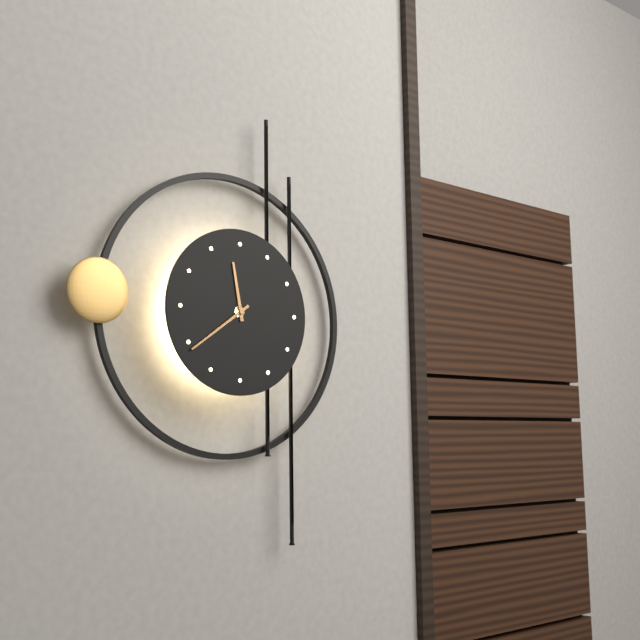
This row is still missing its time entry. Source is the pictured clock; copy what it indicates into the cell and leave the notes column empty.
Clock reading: 11:39
